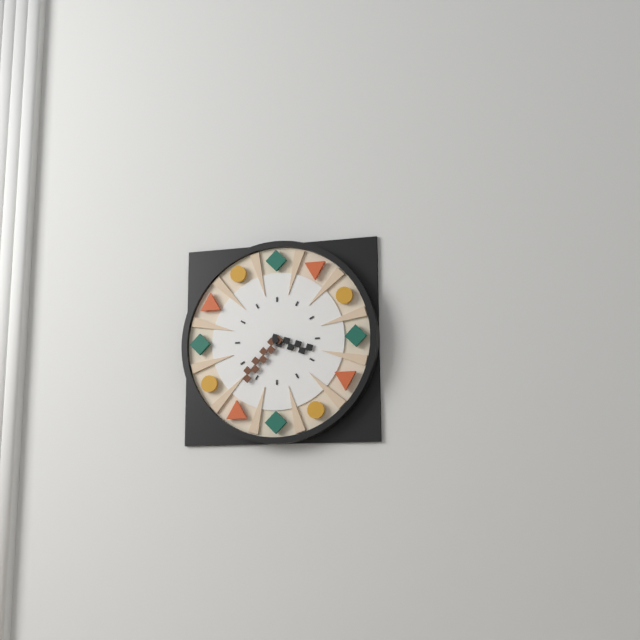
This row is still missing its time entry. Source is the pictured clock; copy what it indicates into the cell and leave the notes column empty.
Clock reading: 3:37
